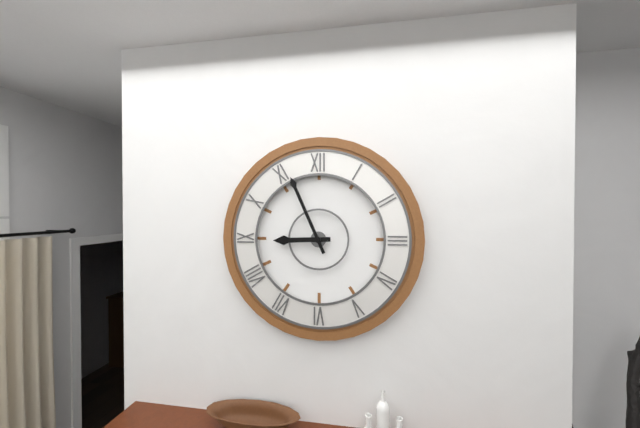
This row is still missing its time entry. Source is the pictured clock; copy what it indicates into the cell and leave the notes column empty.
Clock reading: 8:56
